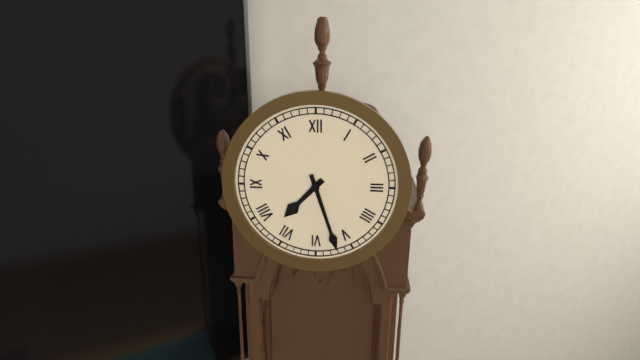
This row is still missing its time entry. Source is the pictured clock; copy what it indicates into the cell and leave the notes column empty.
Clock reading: 7:27
